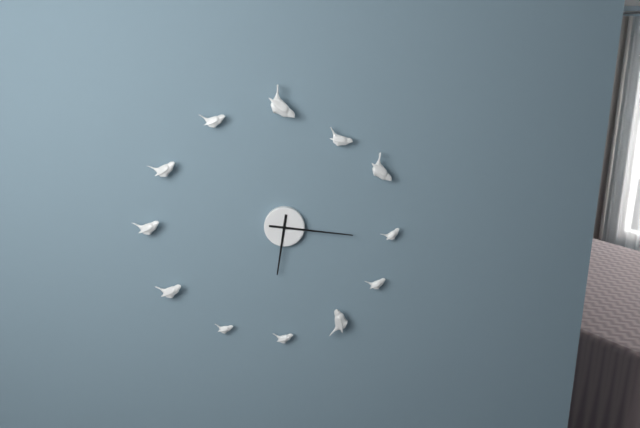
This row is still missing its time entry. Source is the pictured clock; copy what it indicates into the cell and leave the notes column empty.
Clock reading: 6:16
